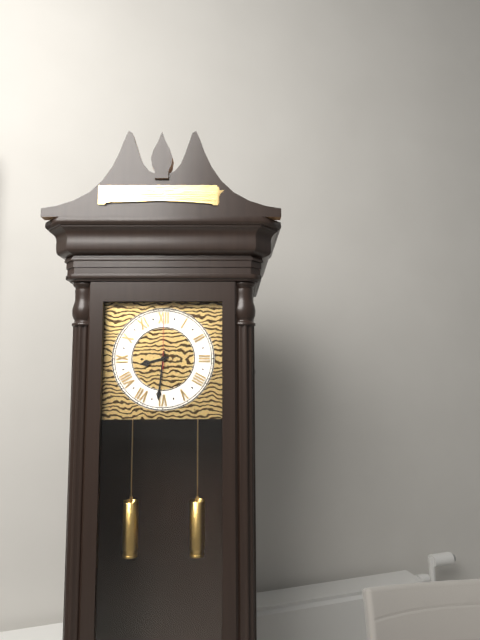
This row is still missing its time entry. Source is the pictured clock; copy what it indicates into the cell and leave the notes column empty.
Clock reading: 8:31:00
